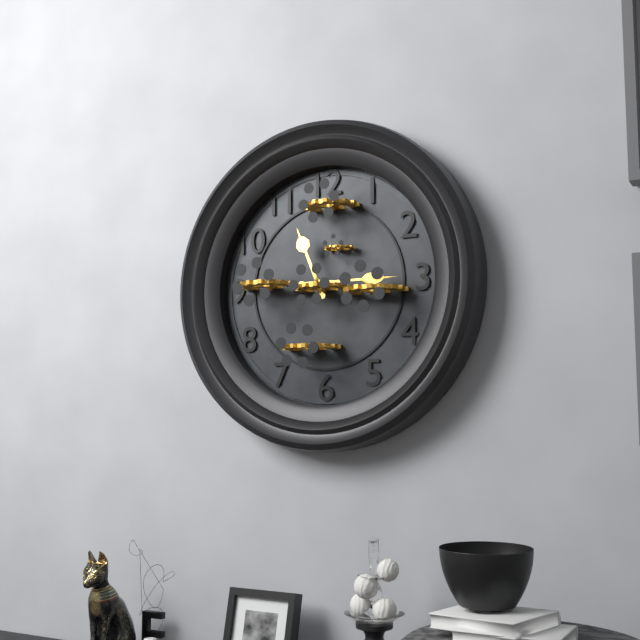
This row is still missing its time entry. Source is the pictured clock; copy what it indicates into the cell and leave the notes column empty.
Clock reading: 11:15
